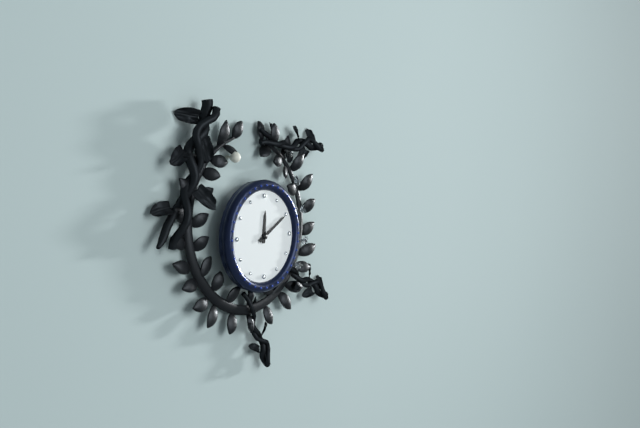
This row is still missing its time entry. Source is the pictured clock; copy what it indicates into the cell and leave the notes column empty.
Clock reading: 12:10
